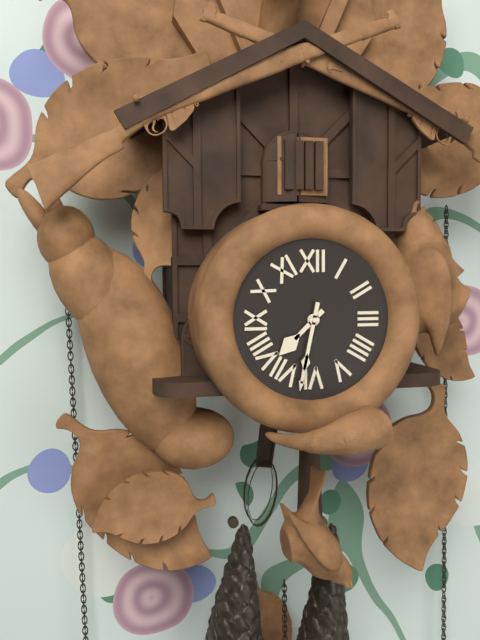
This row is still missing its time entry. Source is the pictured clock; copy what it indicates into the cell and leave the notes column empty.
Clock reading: 7:32
